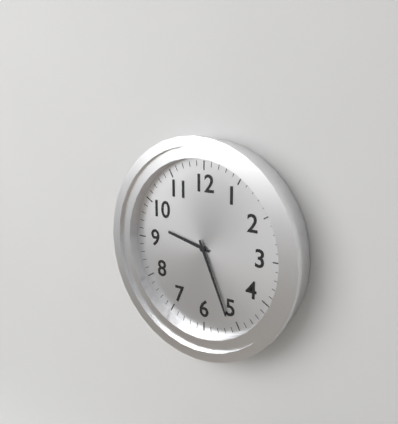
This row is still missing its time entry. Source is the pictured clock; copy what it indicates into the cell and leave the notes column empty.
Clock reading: 9:26
